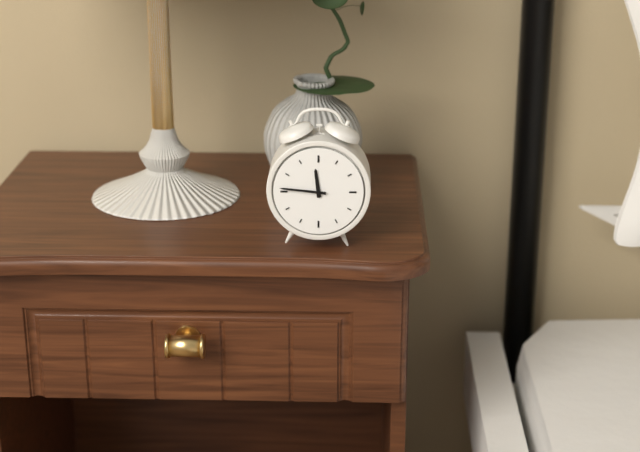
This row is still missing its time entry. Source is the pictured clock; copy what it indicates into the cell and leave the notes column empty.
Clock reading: 11:46
